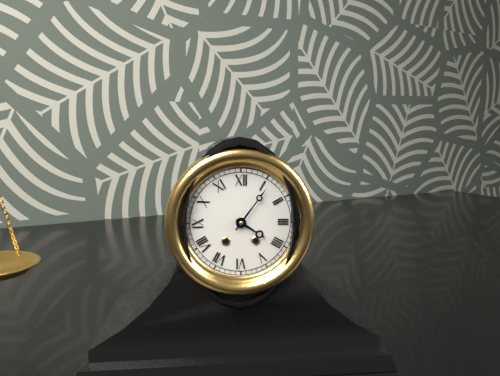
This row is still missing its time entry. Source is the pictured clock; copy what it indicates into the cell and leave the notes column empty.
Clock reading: 4:06
